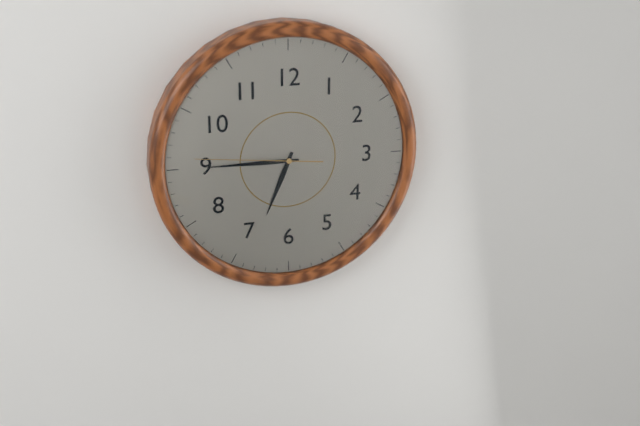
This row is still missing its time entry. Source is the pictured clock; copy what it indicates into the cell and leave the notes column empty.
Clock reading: 6:45:46
